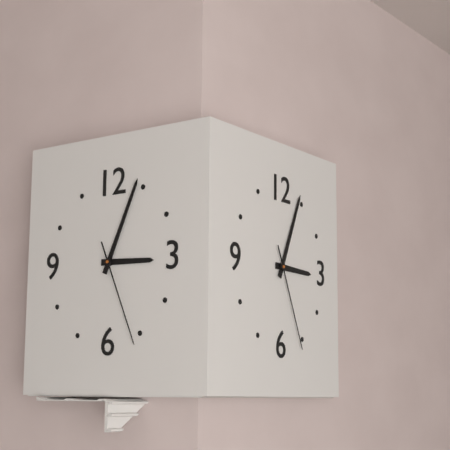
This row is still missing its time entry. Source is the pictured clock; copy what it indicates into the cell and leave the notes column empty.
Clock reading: 3:04:26
